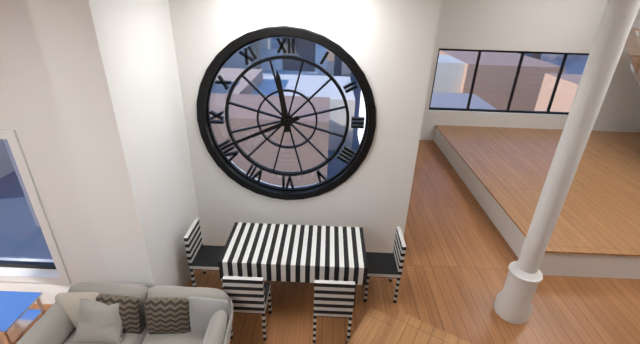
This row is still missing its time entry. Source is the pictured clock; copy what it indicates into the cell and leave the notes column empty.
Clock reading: 11:41
